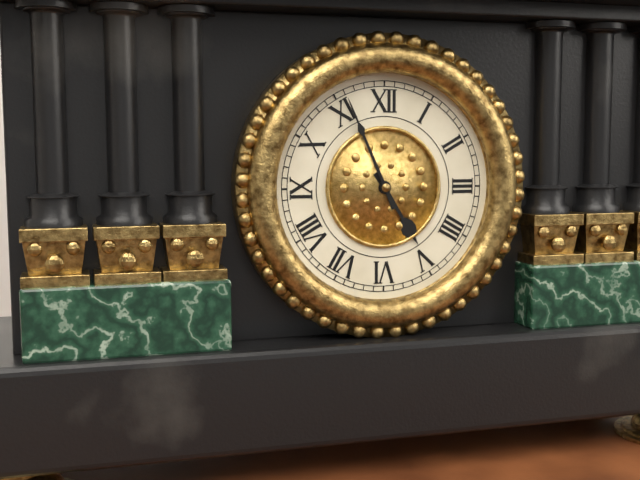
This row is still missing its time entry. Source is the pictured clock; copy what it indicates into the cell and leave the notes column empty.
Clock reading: 4:56
